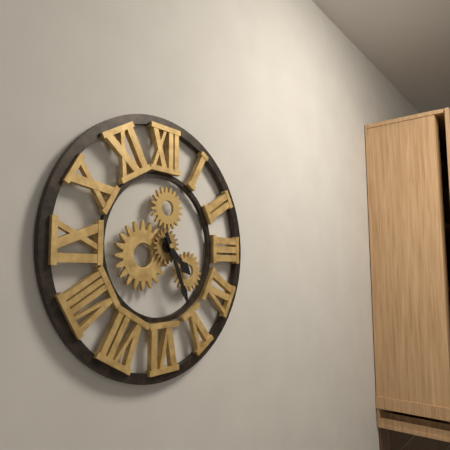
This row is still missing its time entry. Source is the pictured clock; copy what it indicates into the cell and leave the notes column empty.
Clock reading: 4:26
